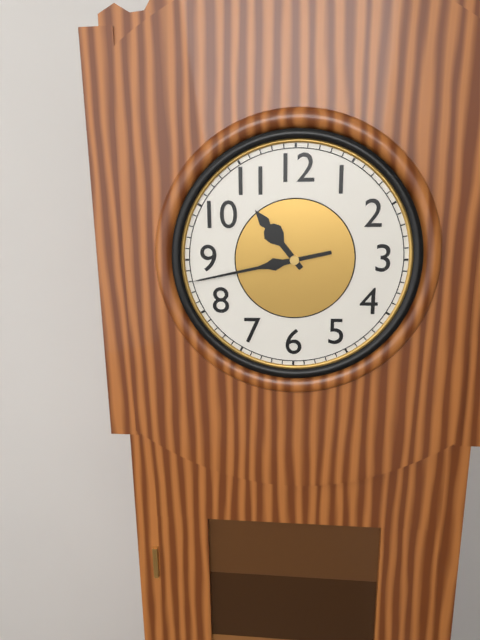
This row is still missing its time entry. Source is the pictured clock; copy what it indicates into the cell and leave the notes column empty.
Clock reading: 10:43
